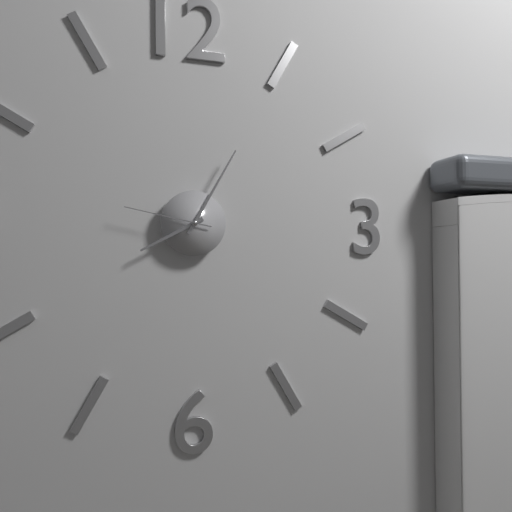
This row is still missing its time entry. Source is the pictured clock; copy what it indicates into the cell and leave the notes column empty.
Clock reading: 8:05:47
